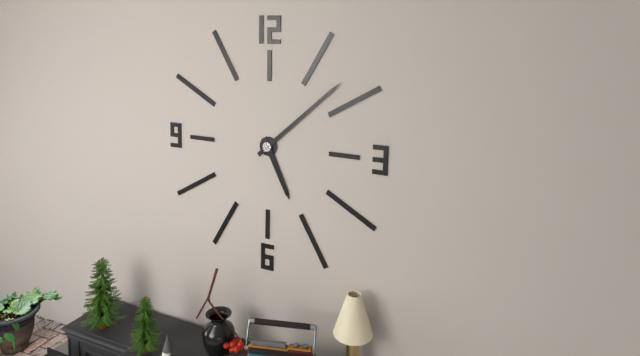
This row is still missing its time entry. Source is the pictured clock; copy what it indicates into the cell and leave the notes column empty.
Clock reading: 5:08
